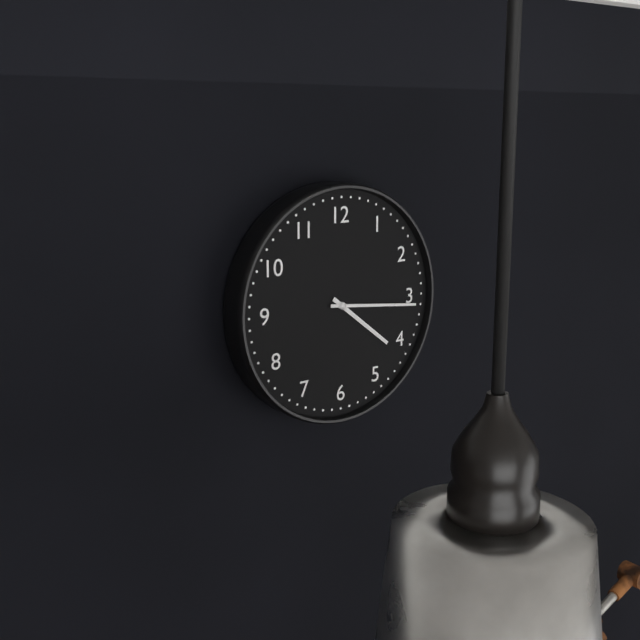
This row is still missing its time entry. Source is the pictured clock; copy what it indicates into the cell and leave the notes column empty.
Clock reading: 4:16
